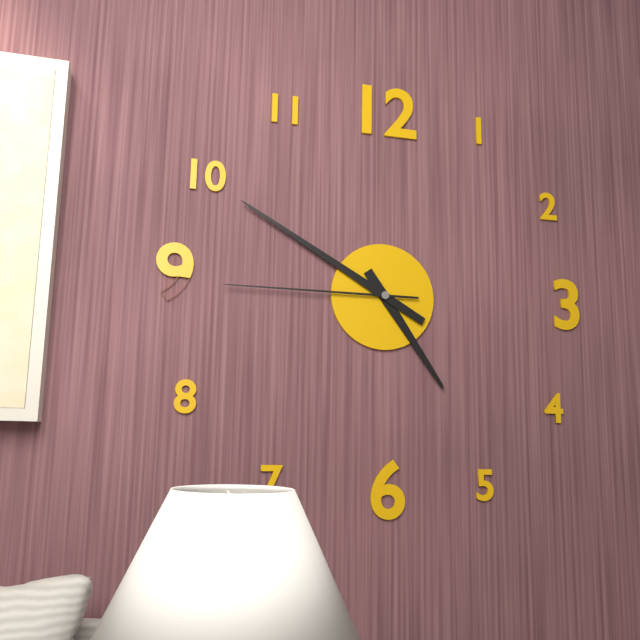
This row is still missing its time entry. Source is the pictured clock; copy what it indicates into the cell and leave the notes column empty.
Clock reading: 4:50:45
